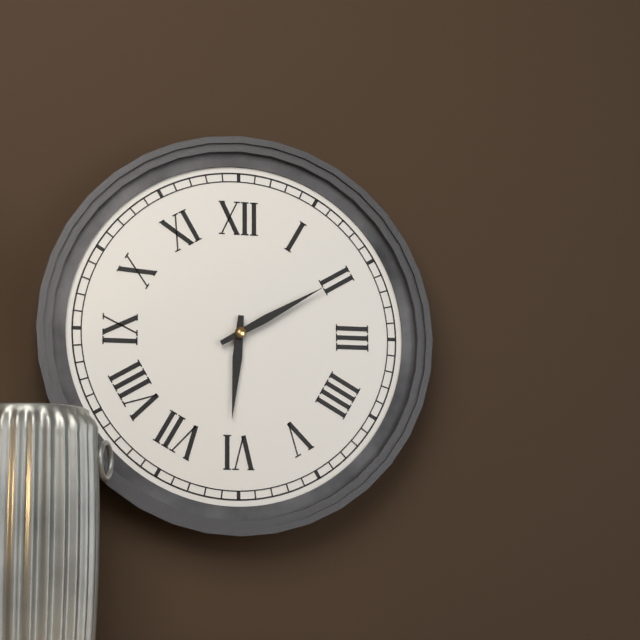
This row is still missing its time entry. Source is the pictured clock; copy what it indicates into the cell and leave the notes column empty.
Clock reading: 6:10
